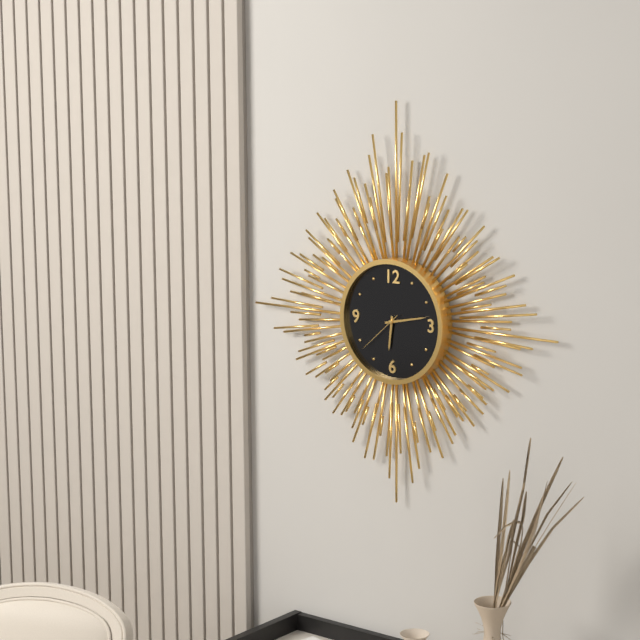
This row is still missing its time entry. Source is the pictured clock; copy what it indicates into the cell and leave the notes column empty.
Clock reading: 6:13
